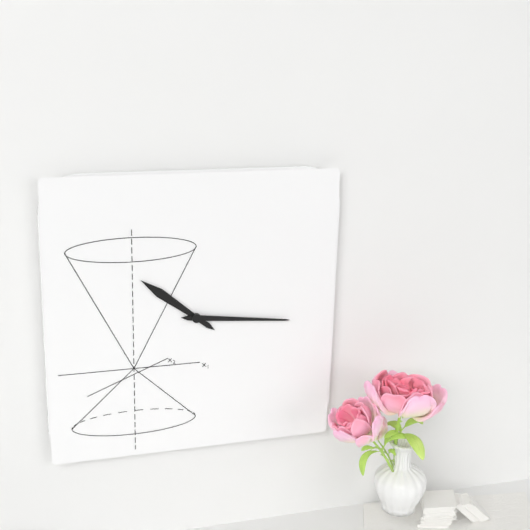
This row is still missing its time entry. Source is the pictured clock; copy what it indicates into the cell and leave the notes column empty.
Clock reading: 10:16
